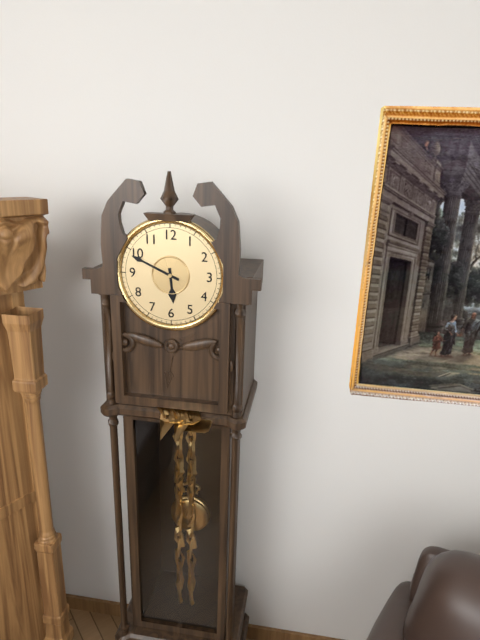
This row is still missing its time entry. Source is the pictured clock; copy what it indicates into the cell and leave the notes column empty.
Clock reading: 5:49
